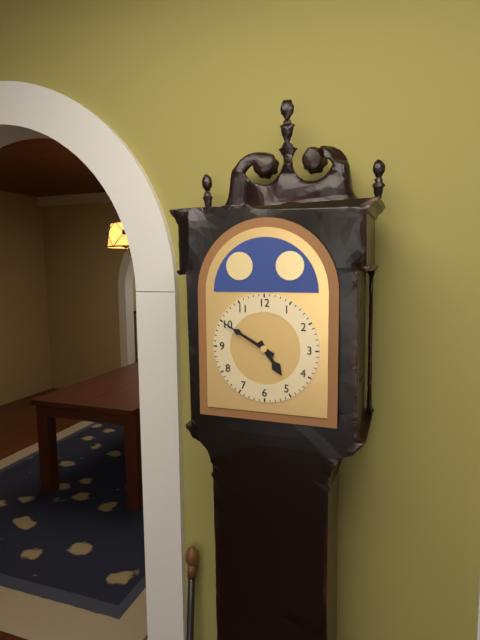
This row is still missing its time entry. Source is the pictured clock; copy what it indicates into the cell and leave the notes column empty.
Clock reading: 4:50
